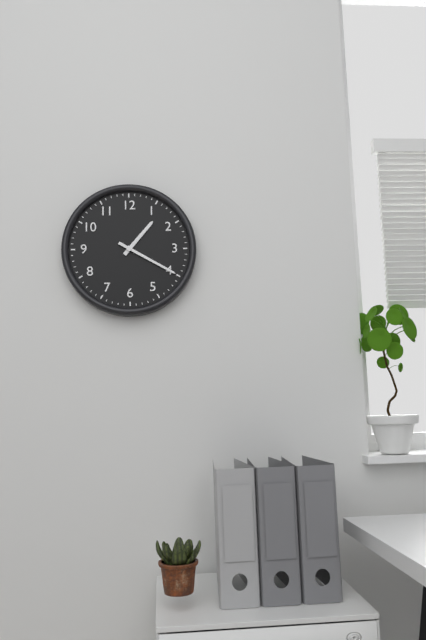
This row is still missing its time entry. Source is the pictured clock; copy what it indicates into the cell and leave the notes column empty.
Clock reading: 1:20
